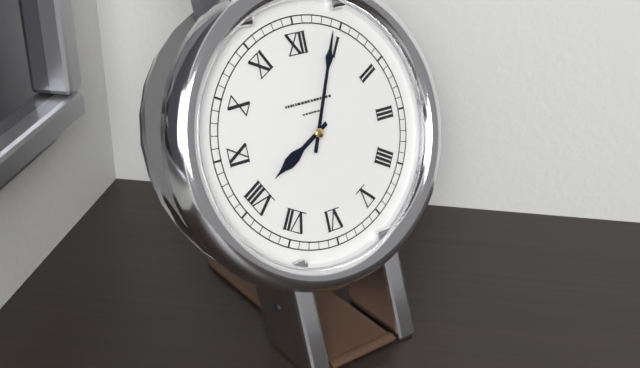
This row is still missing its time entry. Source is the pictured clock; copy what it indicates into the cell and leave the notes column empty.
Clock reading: 8:04
